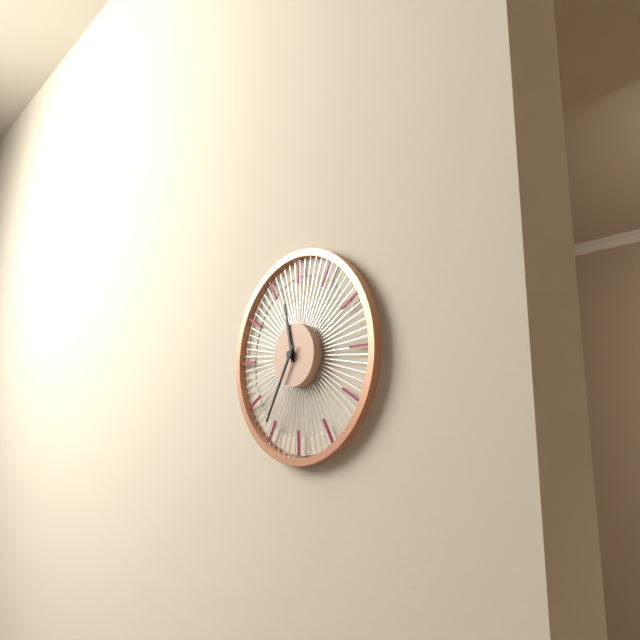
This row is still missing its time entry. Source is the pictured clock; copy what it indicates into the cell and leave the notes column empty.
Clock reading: 11:35
